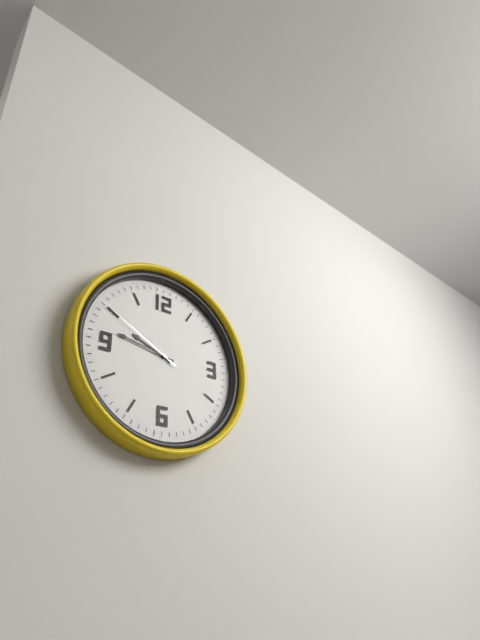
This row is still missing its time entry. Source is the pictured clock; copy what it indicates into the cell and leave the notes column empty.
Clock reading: 9:47:50
